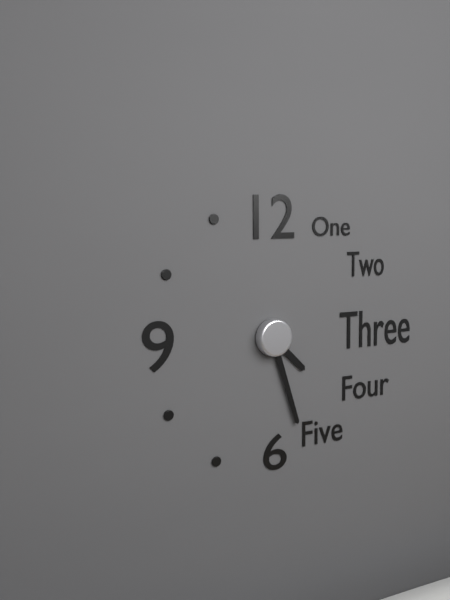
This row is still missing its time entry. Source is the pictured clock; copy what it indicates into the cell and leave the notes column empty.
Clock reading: 4:27
